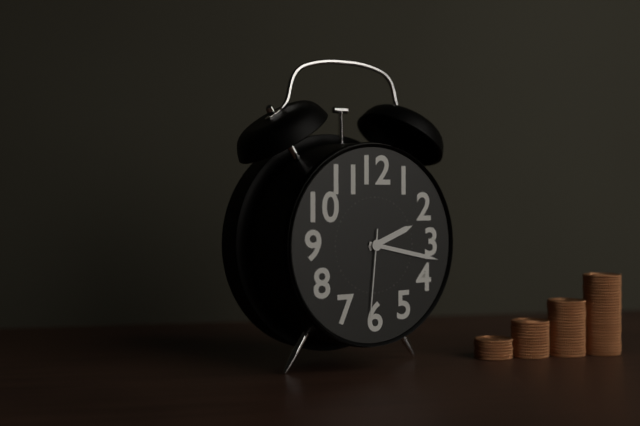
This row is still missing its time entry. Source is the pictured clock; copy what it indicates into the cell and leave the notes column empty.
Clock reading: 2:17:31
